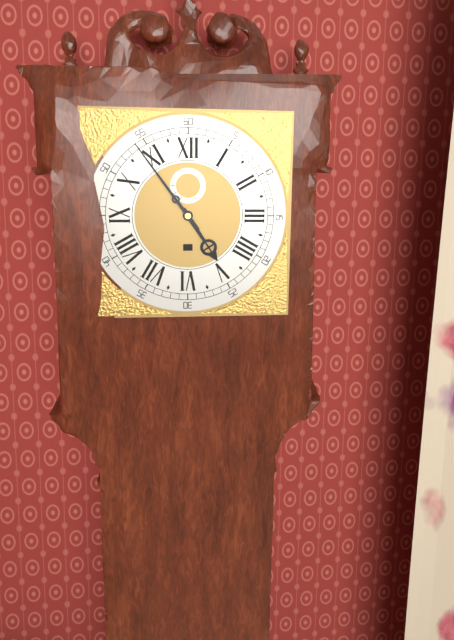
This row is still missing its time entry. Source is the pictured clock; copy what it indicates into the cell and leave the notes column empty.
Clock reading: 4:54
